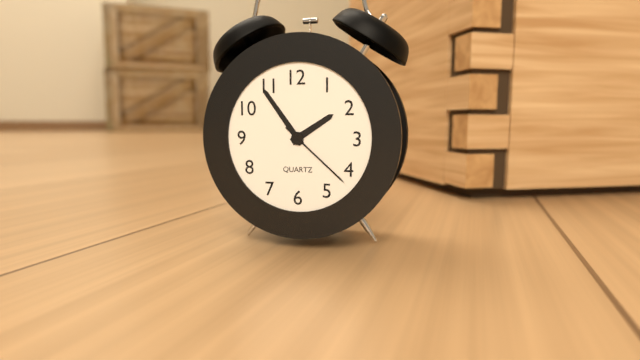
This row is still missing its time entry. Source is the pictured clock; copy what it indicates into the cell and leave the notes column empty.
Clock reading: 1:54:22
